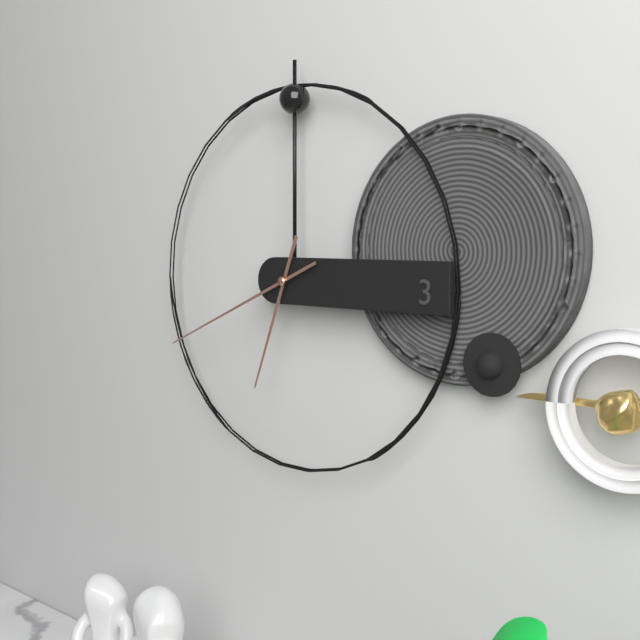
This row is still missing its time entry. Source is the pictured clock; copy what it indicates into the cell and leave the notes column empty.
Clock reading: 6:41
